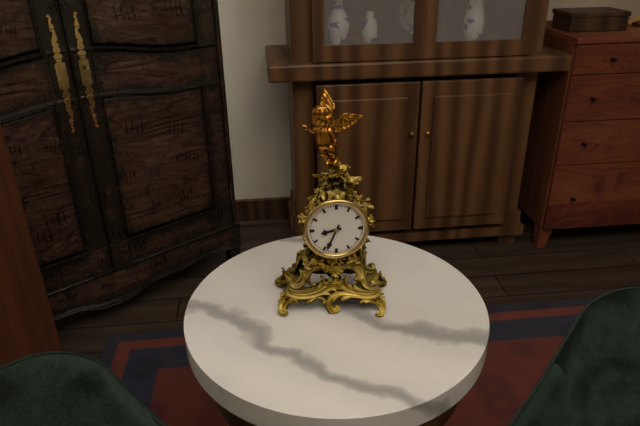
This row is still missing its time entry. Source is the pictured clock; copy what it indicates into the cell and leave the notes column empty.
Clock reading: 8:34
